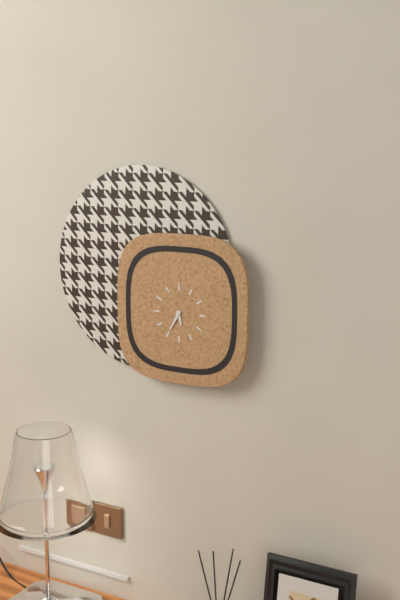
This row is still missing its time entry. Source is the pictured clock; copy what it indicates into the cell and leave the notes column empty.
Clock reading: 5:35
